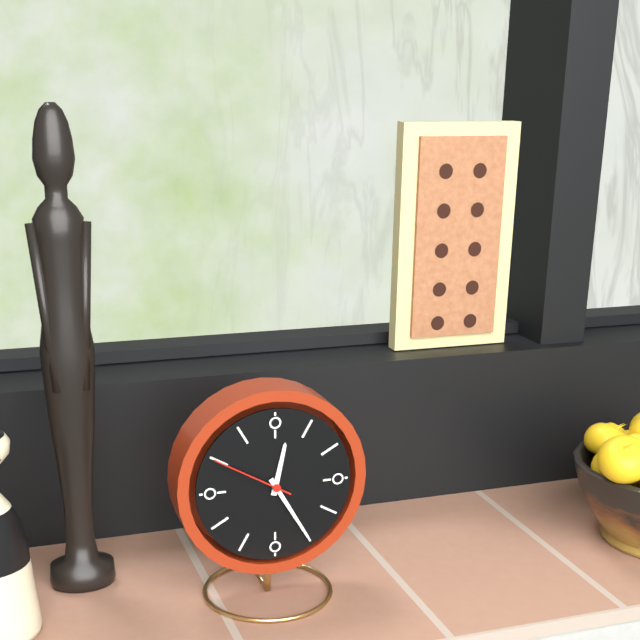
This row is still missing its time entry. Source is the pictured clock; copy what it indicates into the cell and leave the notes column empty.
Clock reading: 12:25:50
